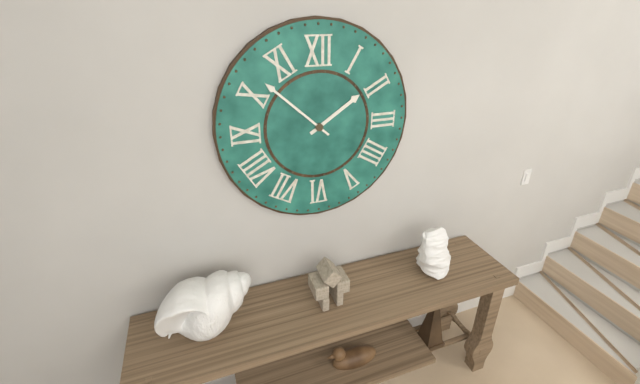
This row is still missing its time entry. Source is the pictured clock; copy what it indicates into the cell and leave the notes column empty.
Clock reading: 1:52
